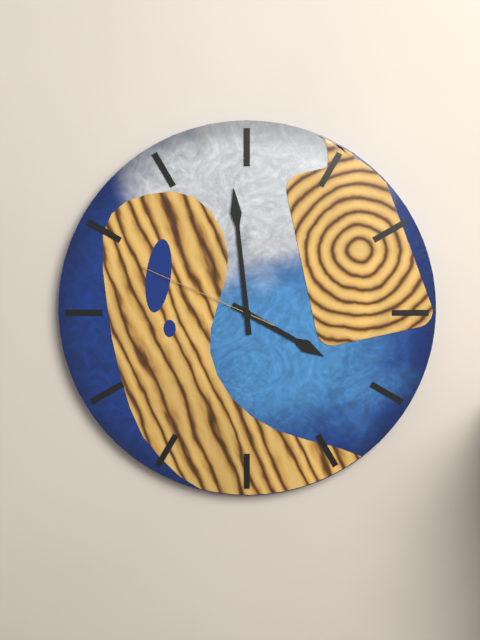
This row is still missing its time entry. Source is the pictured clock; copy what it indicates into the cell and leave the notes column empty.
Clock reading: 3:59:49
